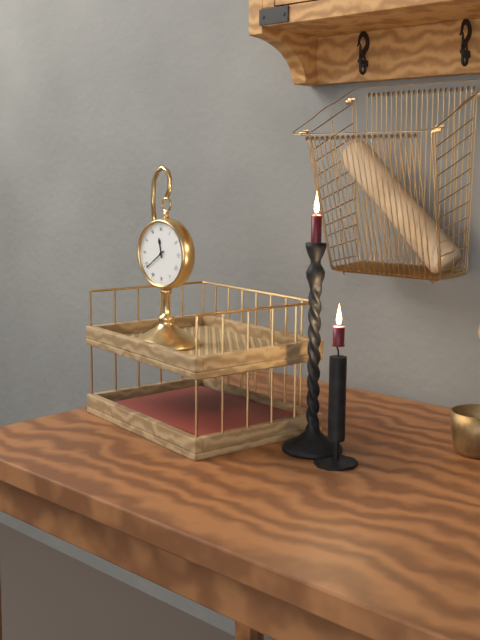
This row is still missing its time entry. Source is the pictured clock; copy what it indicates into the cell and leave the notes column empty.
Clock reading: 11:39
